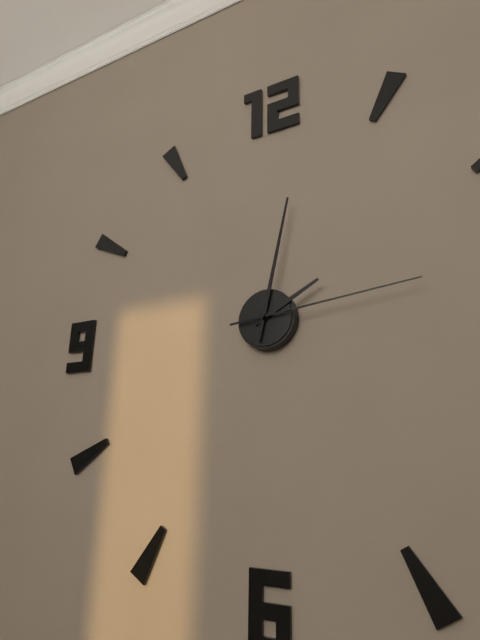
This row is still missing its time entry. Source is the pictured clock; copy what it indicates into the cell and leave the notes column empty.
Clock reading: 2:02:14
